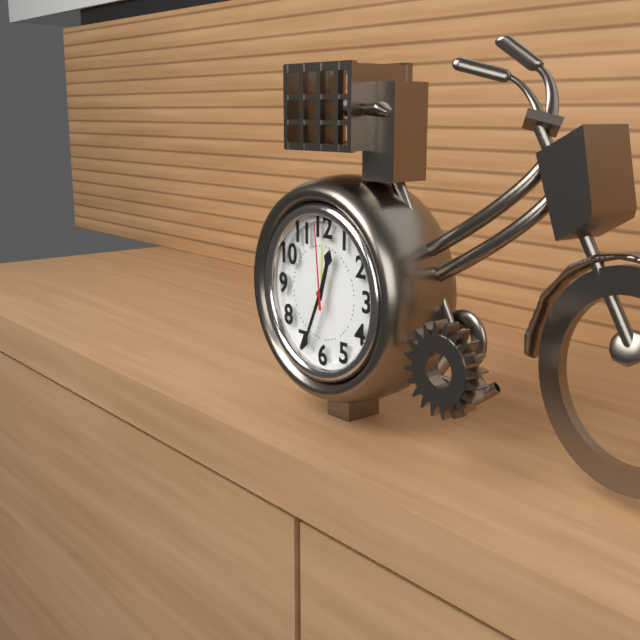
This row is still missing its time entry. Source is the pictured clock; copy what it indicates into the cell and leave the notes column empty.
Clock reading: 12:34:59
